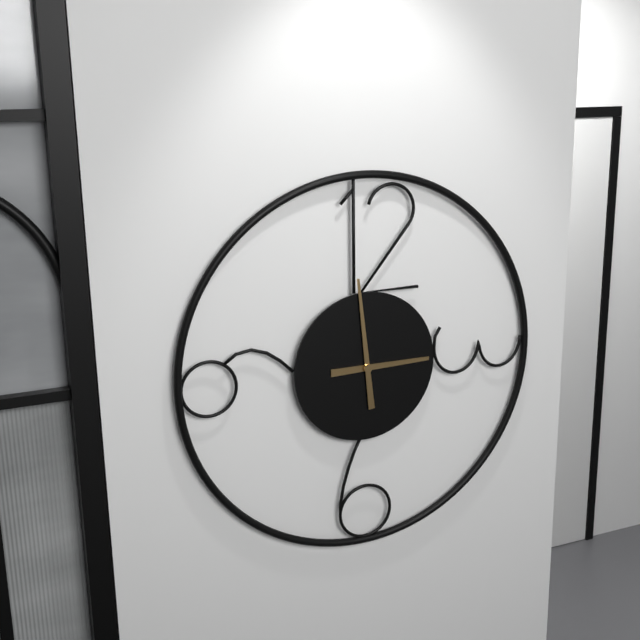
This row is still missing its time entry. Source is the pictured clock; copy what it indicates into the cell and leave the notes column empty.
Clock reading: 2:59
